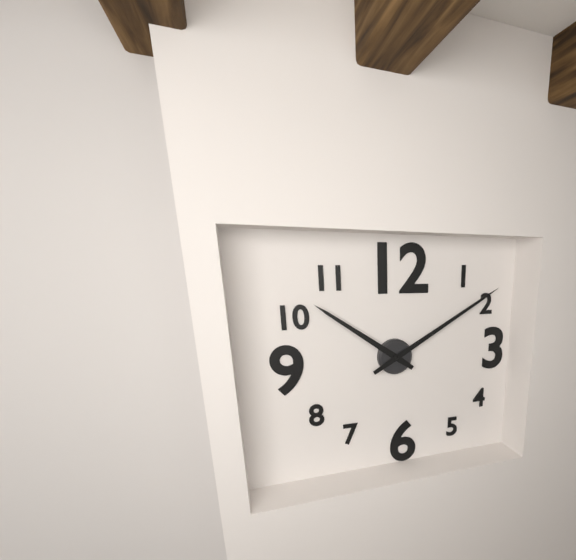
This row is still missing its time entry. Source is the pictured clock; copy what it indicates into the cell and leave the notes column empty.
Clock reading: 10:10
